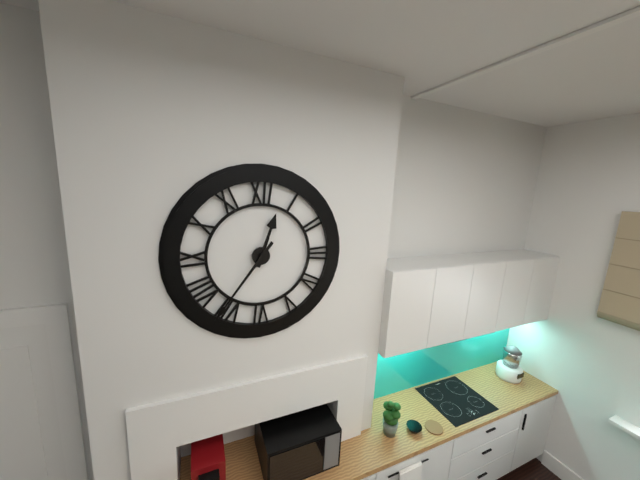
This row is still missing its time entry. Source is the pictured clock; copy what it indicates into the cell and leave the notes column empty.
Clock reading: 12:36
